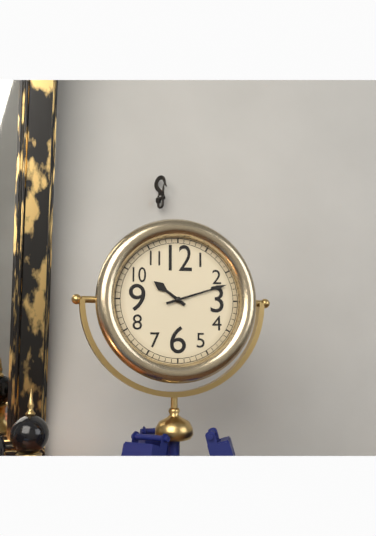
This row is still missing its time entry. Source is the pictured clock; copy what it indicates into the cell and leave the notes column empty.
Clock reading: 10:12
